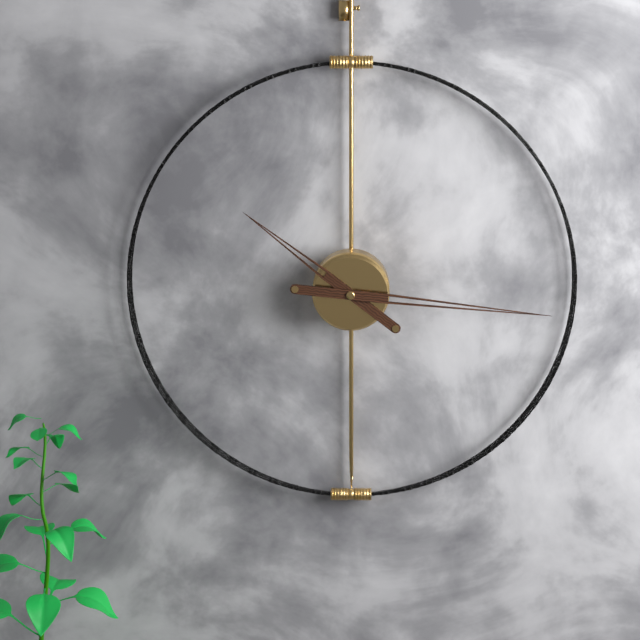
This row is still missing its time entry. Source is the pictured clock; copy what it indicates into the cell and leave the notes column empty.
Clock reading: 10:16
